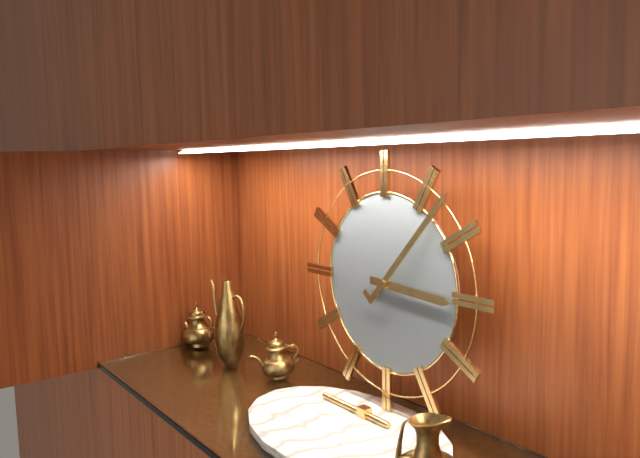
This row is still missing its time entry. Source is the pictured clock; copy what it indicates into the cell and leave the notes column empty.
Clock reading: 3:07
